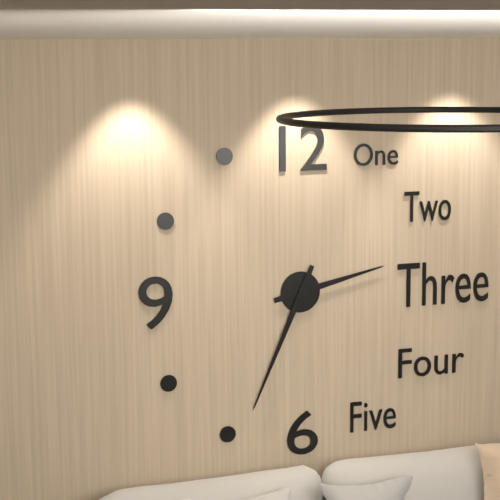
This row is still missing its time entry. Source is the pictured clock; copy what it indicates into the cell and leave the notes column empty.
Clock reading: 2:34
